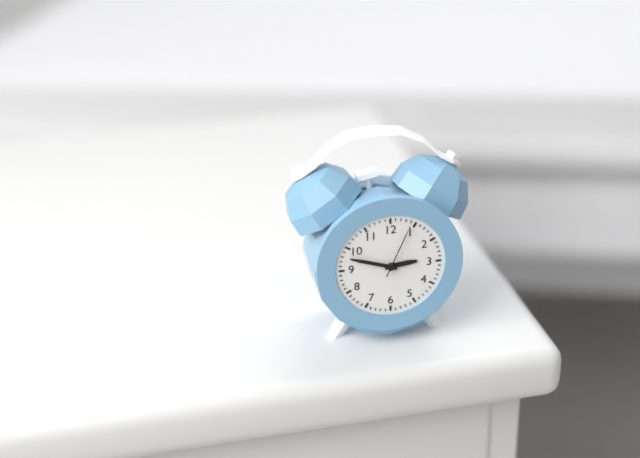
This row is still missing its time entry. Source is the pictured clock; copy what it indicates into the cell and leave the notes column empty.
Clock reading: 2:48:04
